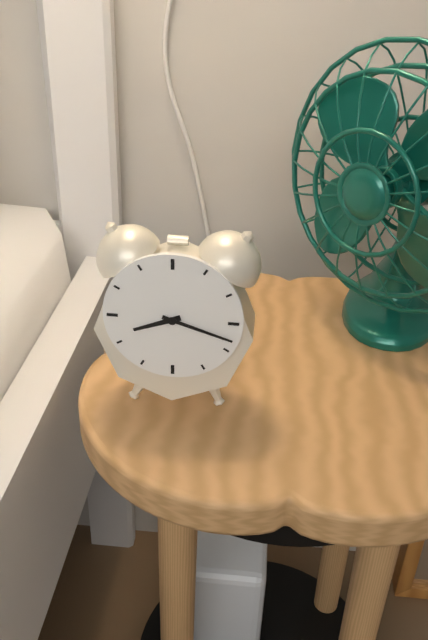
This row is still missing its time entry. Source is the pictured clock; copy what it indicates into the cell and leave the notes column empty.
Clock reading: 8:18
